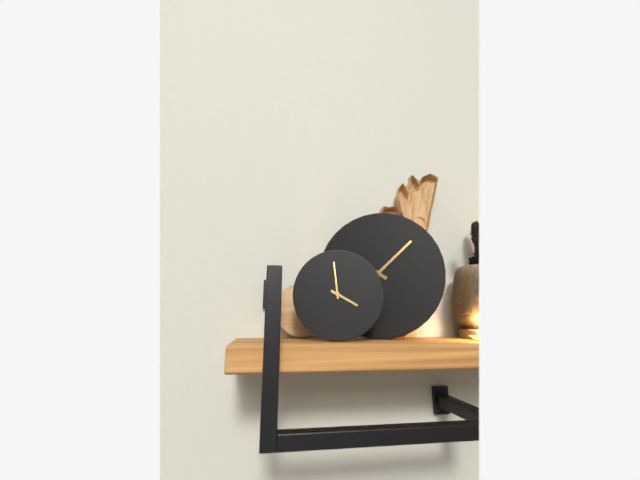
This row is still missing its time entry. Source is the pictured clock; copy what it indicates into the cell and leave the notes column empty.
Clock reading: 3:59
